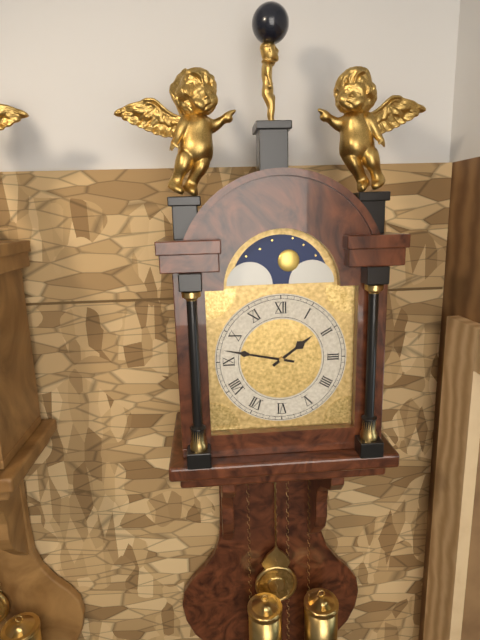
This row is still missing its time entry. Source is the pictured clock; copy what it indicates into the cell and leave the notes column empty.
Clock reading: 1:47
